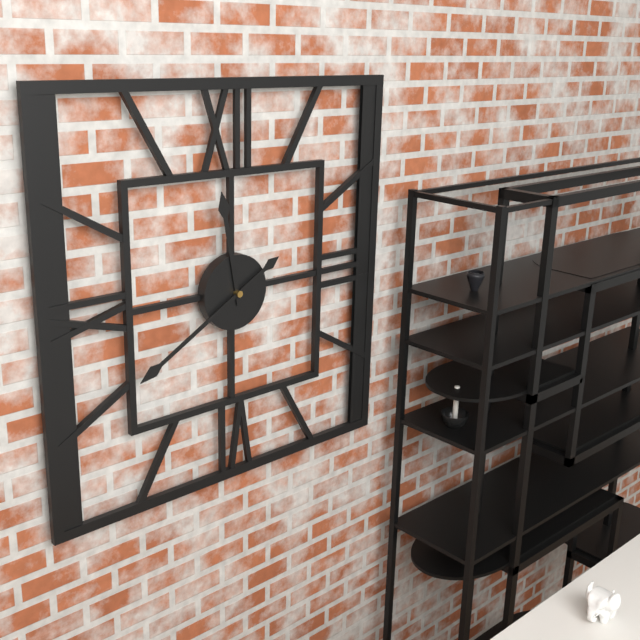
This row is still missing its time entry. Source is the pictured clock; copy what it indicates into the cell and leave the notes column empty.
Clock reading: 11:40
